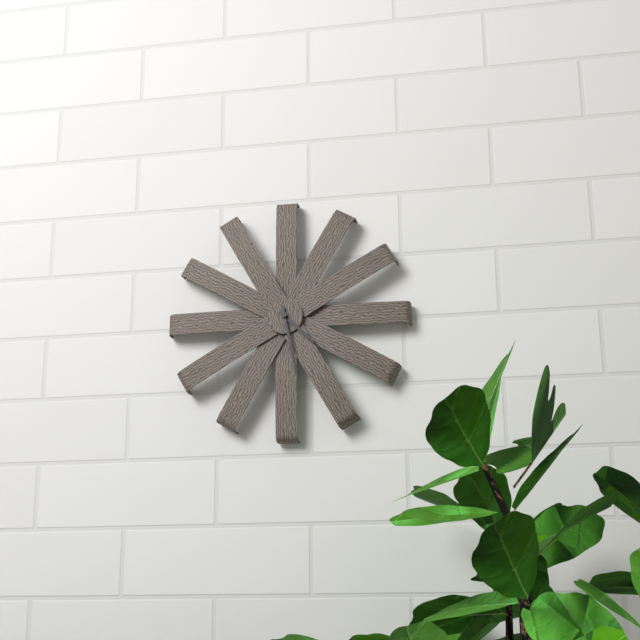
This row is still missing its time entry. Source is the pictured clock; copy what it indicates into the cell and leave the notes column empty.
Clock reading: 4:28
